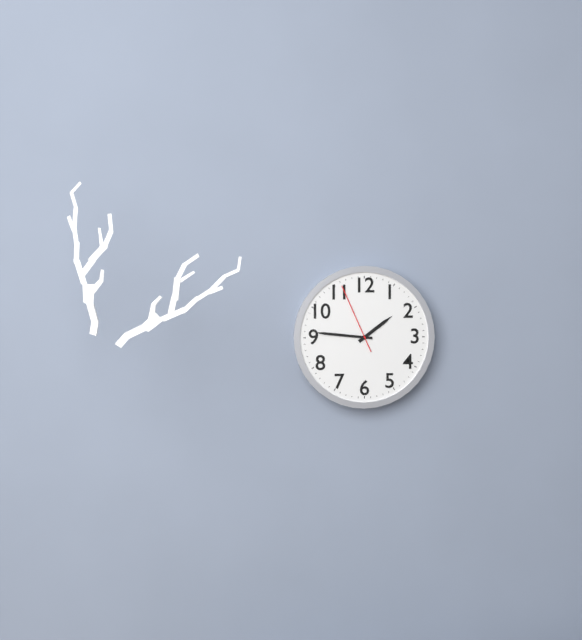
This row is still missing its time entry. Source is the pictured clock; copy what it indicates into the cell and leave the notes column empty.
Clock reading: 1:46:56
